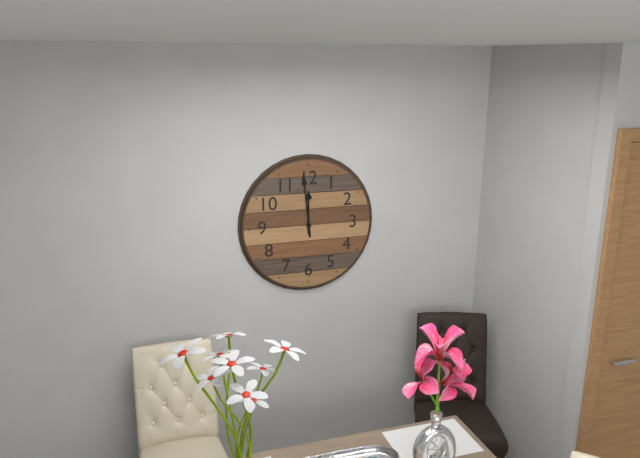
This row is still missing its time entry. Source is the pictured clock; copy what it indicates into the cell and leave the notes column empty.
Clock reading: 11:59
